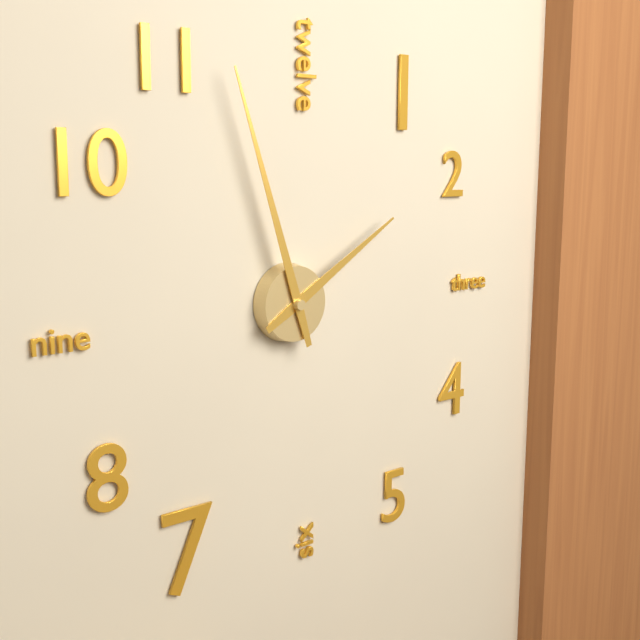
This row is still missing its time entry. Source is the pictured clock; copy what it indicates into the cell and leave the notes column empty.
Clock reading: 1:57
